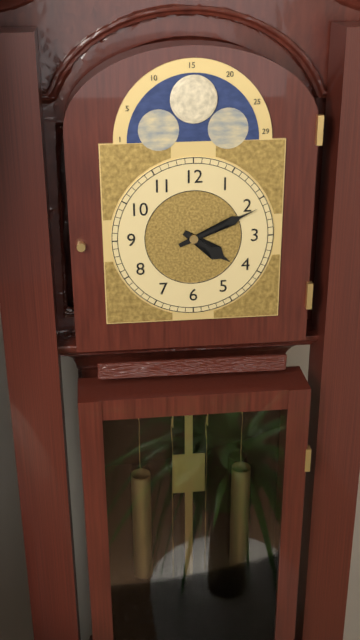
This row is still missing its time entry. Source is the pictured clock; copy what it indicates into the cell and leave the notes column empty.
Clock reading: 4:11
